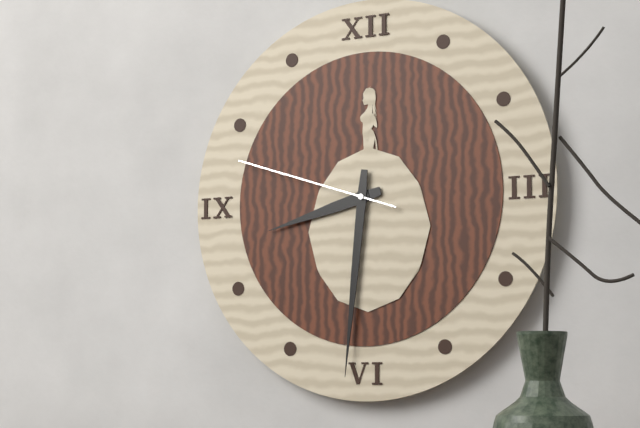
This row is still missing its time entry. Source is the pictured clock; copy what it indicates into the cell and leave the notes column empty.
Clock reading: 8:31:48
